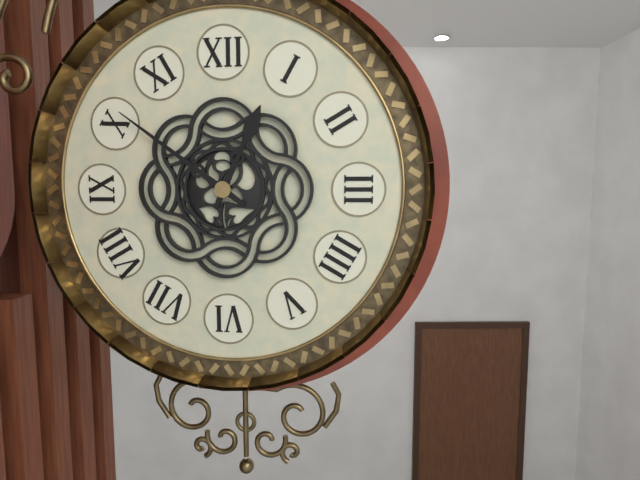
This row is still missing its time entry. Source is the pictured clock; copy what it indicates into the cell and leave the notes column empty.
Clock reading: 12:51
